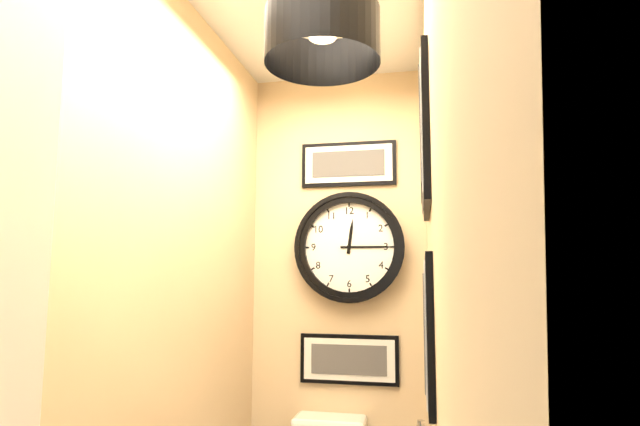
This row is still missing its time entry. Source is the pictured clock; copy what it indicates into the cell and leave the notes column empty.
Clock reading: 12:15
